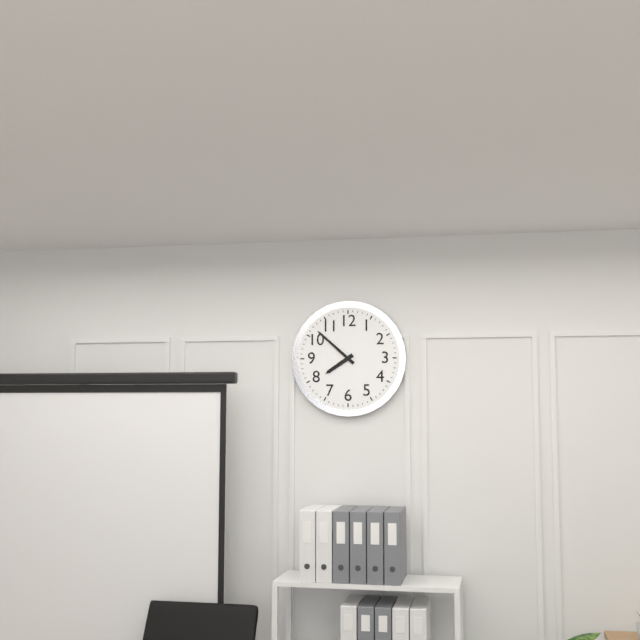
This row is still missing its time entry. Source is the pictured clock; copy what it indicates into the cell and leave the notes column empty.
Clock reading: 7:52
